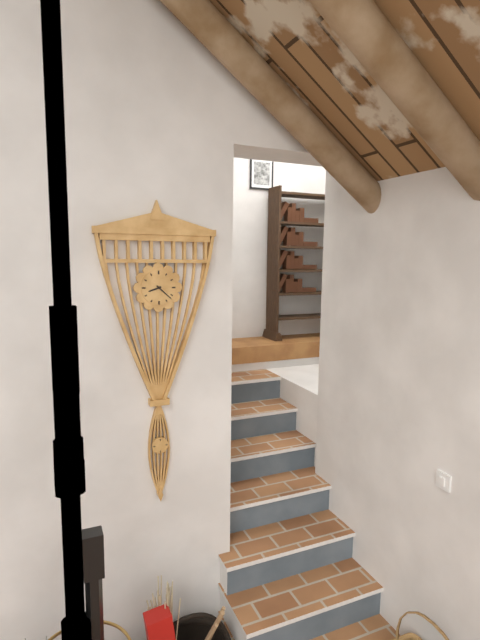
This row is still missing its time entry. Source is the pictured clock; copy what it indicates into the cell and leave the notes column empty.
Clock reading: 8:22
